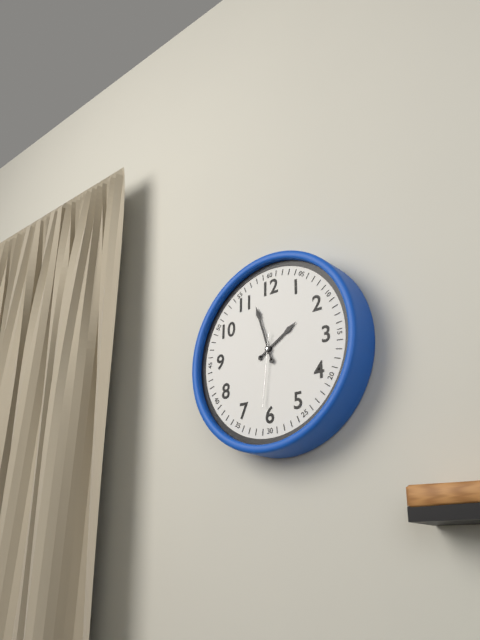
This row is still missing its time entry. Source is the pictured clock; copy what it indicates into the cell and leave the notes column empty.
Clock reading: 1:57:31
